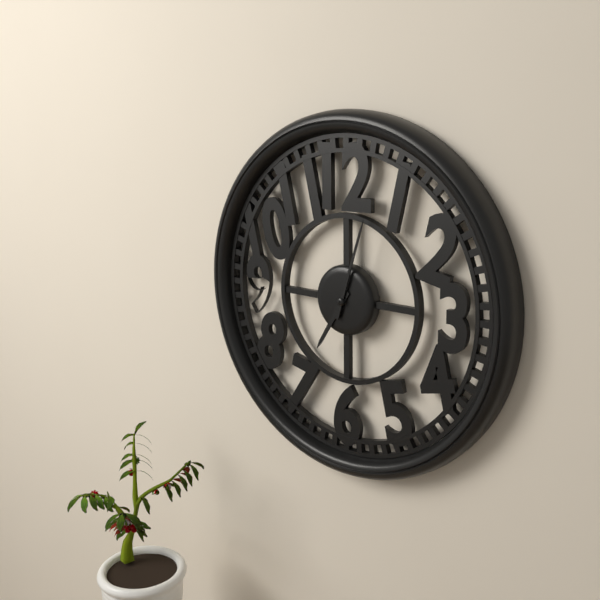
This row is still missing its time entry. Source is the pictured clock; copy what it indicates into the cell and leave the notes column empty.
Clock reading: 7:03
